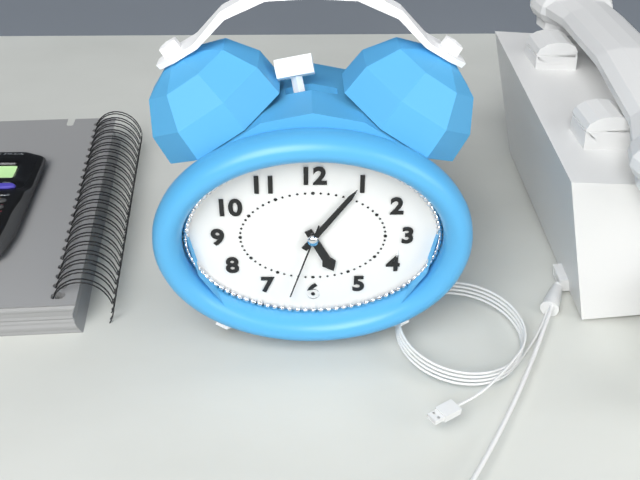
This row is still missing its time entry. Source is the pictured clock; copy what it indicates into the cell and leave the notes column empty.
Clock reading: 5:06:33
